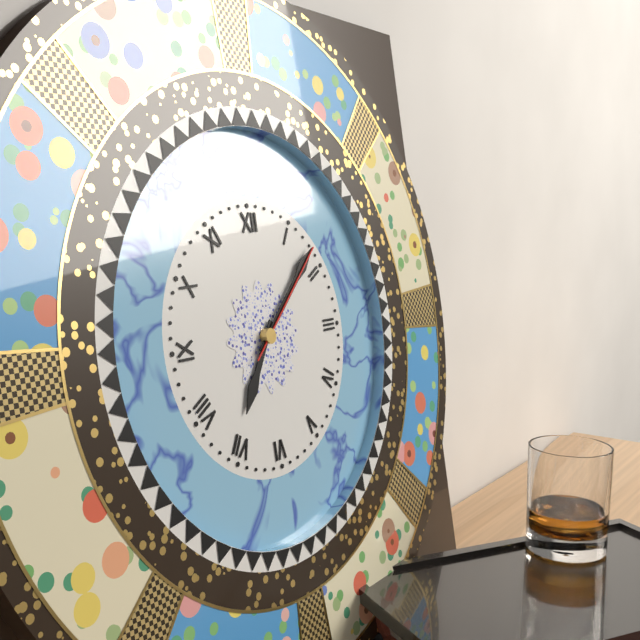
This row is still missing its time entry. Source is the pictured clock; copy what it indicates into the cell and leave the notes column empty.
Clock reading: 7:08:08
